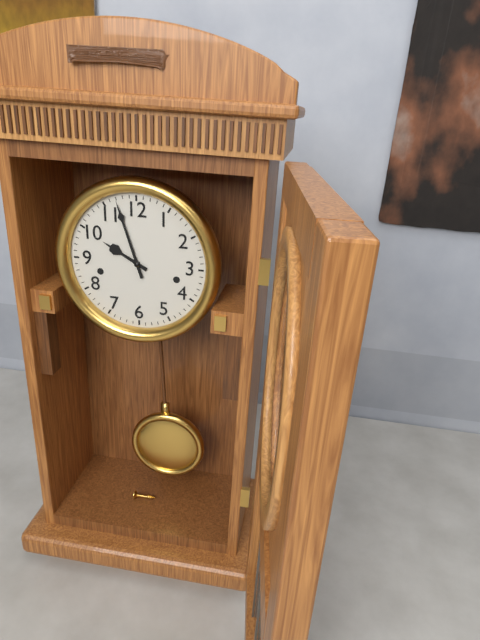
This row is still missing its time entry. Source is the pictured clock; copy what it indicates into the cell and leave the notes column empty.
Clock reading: 9:57
